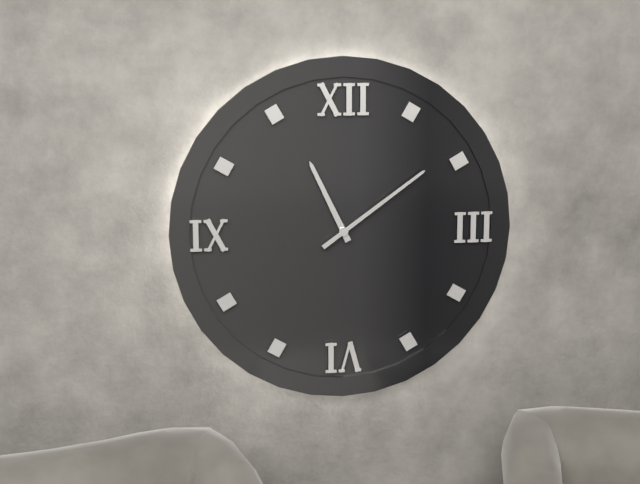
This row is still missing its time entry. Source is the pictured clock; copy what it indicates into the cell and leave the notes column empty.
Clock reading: 11:09
